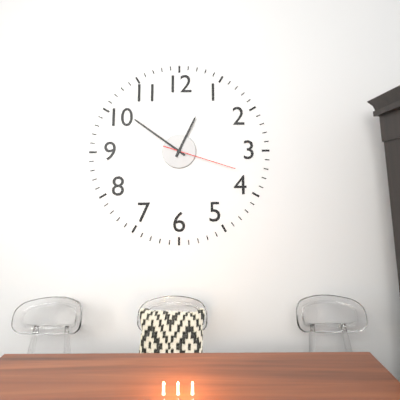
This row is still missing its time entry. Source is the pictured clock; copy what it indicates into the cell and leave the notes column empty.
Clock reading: 12:51:18
